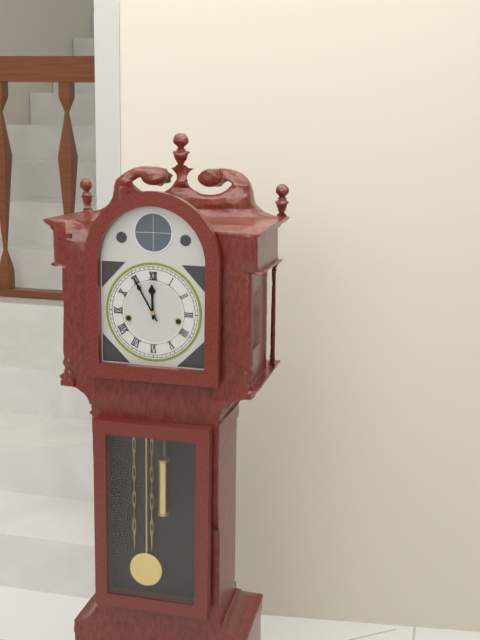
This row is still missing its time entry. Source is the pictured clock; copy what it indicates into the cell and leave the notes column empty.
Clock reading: 11:55
